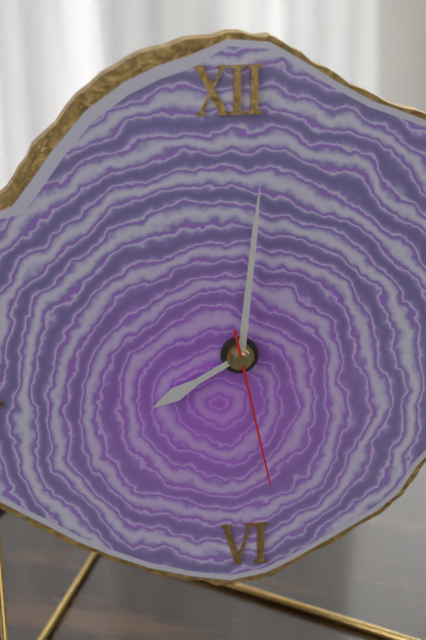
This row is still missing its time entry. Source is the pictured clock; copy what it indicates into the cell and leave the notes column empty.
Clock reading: 8:01:28
